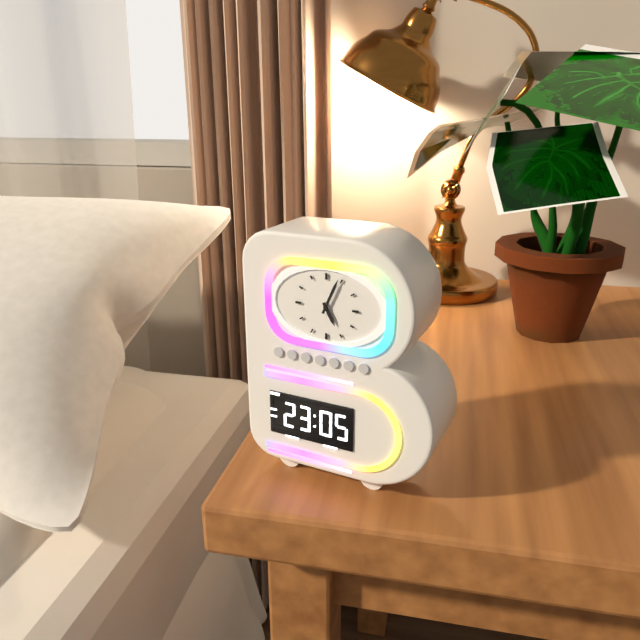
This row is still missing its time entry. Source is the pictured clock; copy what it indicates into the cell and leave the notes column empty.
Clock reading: 5:04
